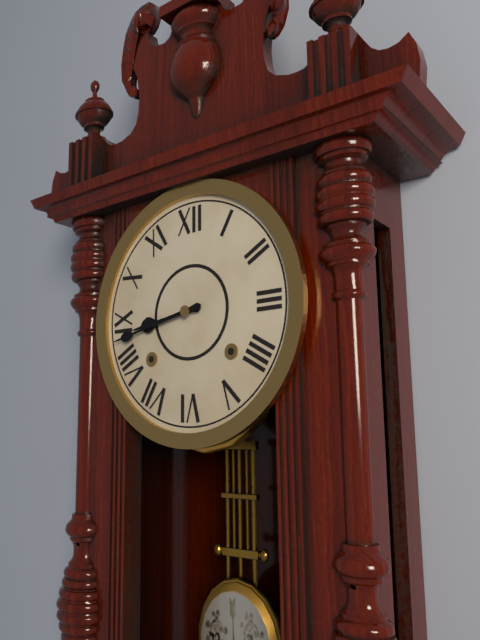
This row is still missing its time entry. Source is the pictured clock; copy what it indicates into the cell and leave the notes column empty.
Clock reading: 8:43
